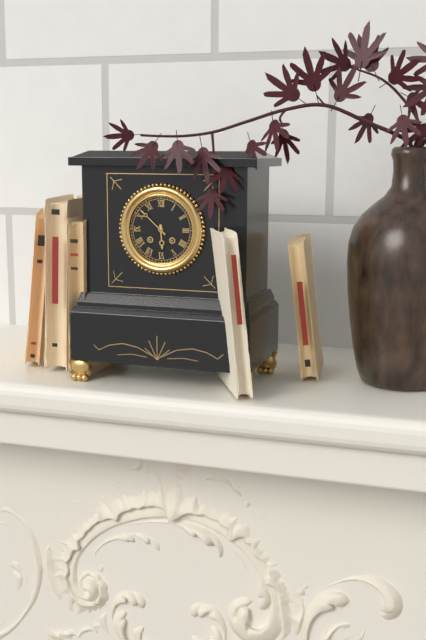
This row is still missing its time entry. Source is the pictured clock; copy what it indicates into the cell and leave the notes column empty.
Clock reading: 5:52
